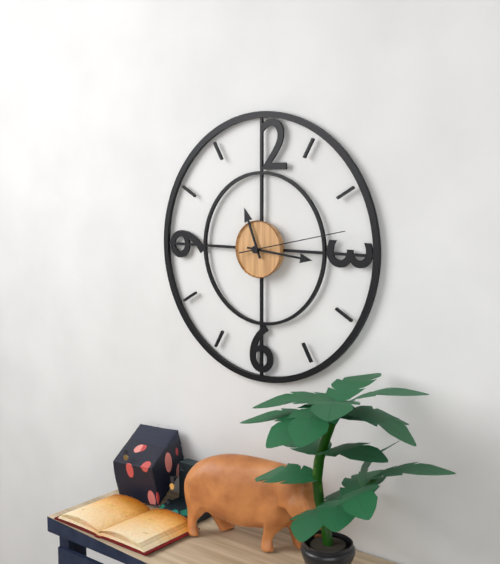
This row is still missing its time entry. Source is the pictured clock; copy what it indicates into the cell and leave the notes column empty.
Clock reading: 11:16:13
